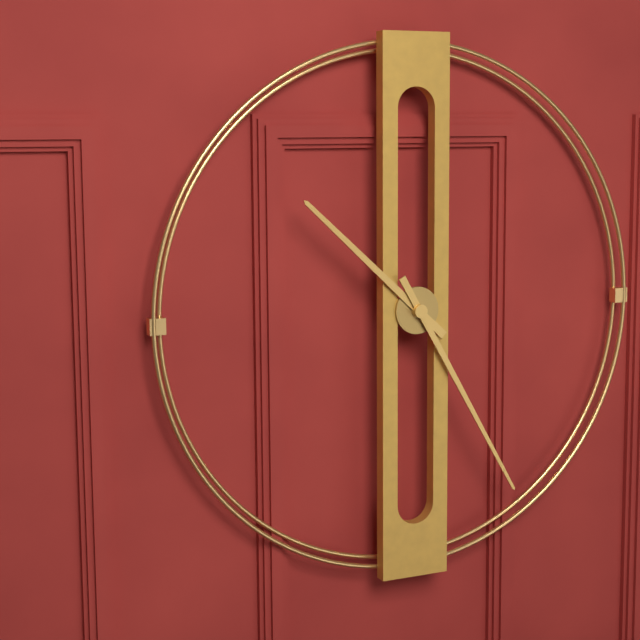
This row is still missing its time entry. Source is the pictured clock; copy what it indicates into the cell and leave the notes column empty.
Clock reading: 10:25
